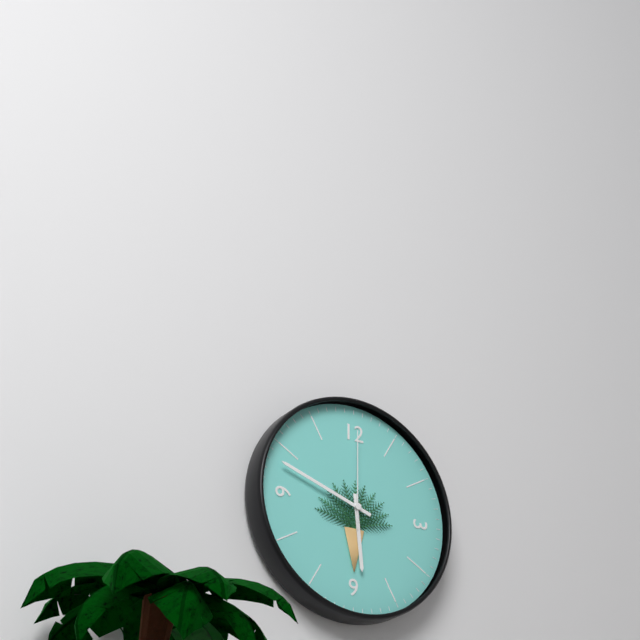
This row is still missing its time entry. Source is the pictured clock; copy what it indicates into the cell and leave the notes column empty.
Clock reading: 5:48:00
